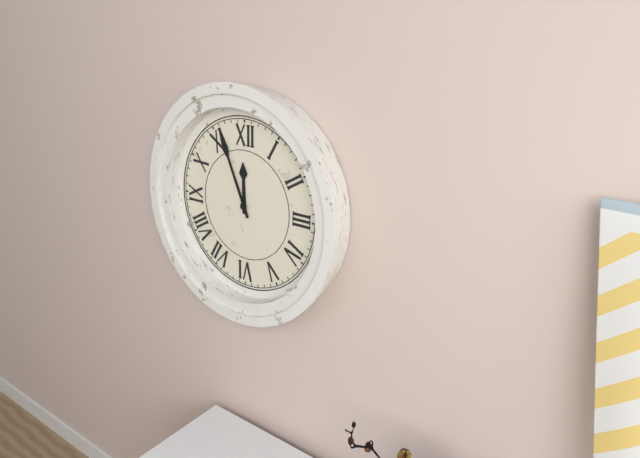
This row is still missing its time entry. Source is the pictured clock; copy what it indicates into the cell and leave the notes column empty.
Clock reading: 11:56
